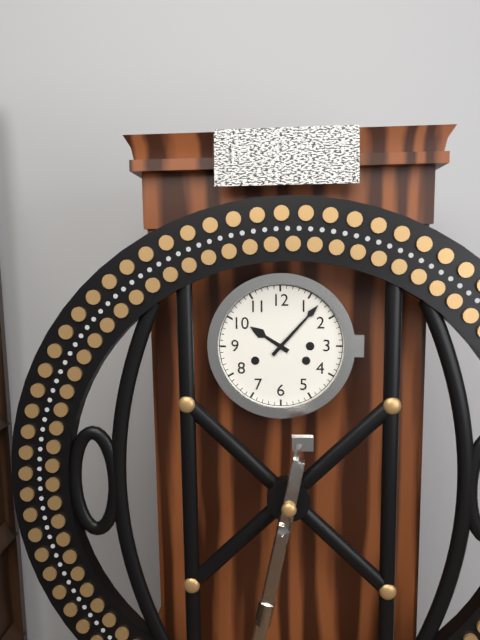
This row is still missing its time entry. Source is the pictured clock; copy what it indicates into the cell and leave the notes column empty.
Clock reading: 10:07
